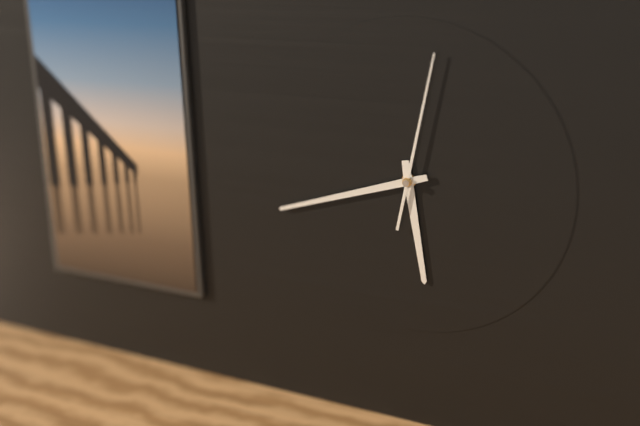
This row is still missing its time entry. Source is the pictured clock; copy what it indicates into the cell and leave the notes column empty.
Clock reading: 5:42:02
